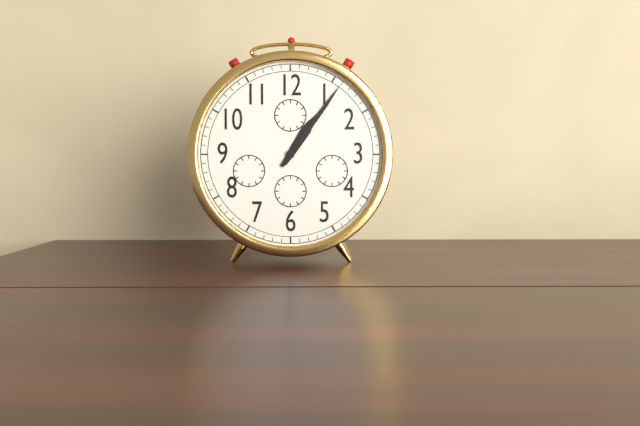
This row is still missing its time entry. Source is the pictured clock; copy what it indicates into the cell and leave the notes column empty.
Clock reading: 1:06
